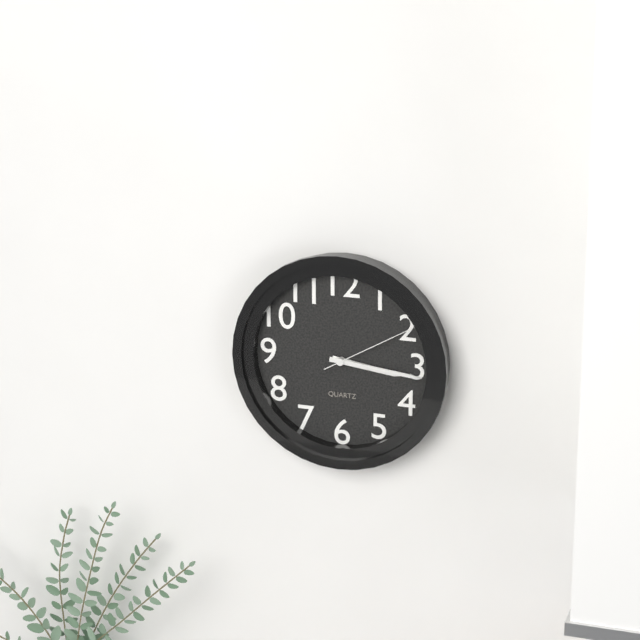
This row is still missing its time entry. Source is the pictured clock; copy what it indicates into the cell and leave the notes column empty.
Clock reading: 3:16:10
